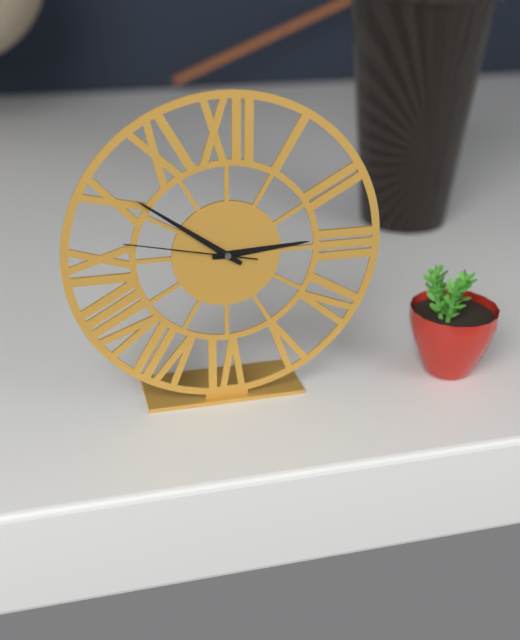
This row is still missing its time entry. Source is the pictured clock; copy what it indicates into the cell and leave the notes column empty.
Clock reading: 2:51:47
